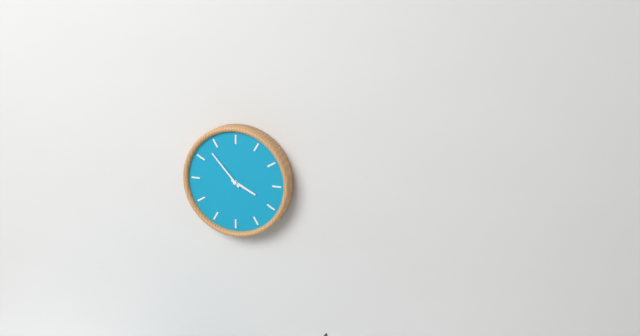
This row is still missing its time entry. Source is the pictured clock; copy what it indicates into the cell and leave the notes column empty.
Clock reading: 3:53
